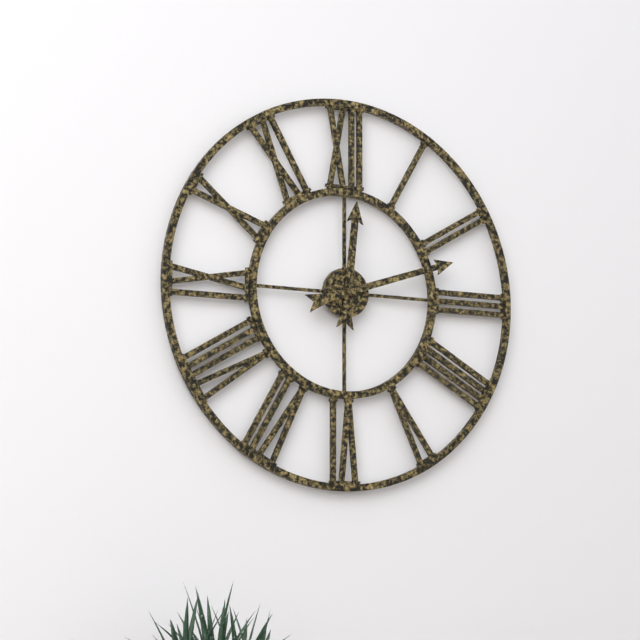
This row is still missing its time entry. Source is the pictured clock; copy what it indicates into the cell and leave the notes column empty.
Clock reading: 12:12
